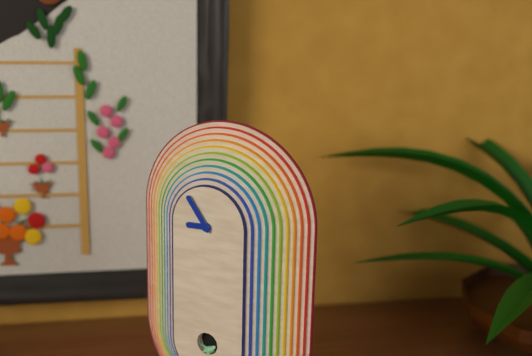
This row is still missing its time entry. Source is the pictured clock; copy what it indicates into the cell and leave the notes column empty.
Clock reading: 8:54
